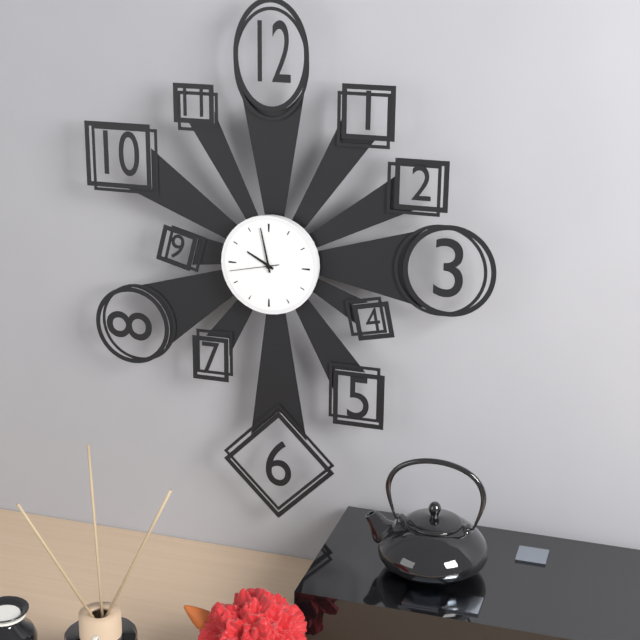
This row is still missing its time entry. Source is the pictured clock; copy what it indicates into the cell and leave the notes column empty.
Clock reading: 9:58
